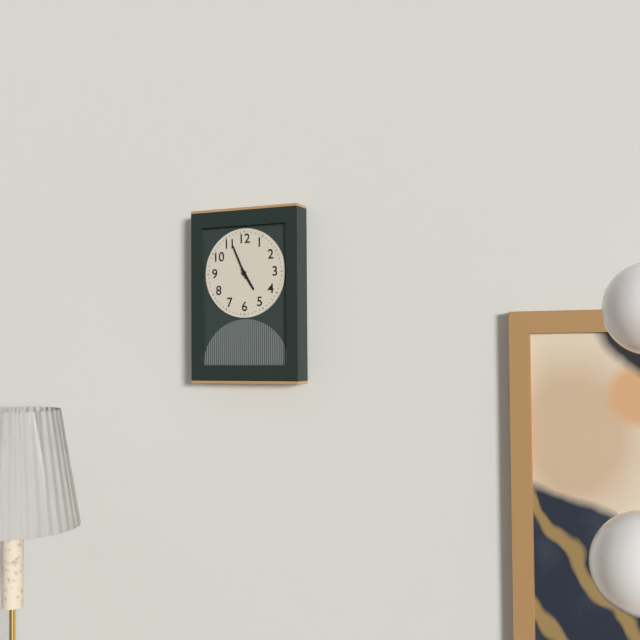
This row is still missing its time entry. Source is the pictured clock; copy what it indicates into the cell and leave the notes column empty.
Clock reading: 4:56
